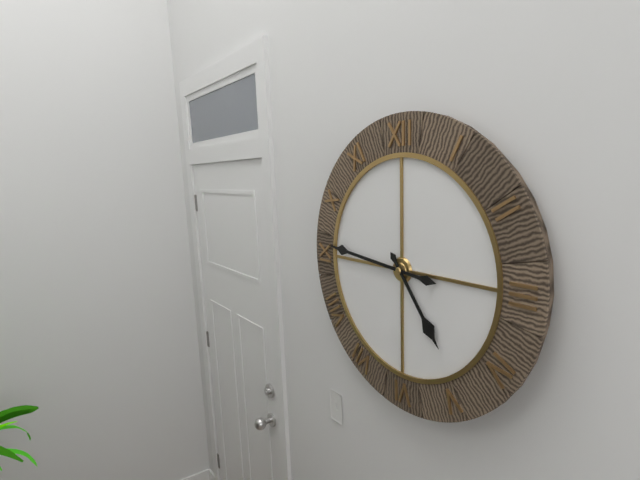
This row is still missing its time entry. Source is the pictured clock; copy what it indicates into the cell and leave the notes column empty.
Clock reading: 4:46
